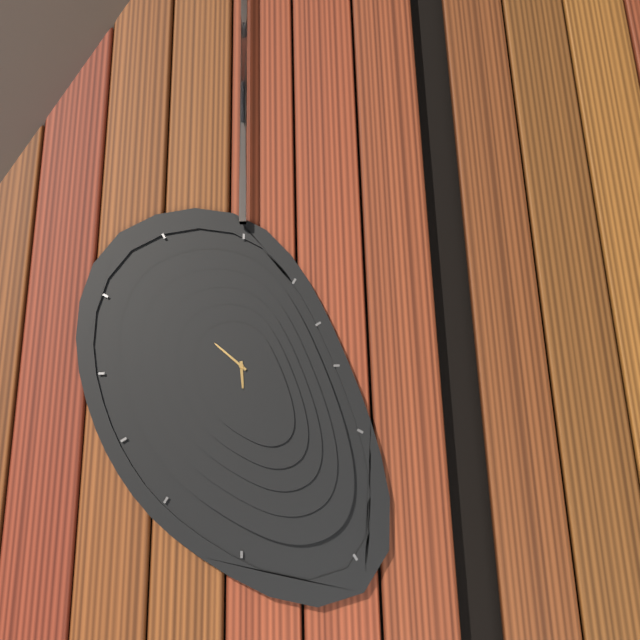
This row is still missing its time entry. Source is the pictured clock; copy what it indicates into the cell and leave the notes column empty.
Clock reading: 5:52
